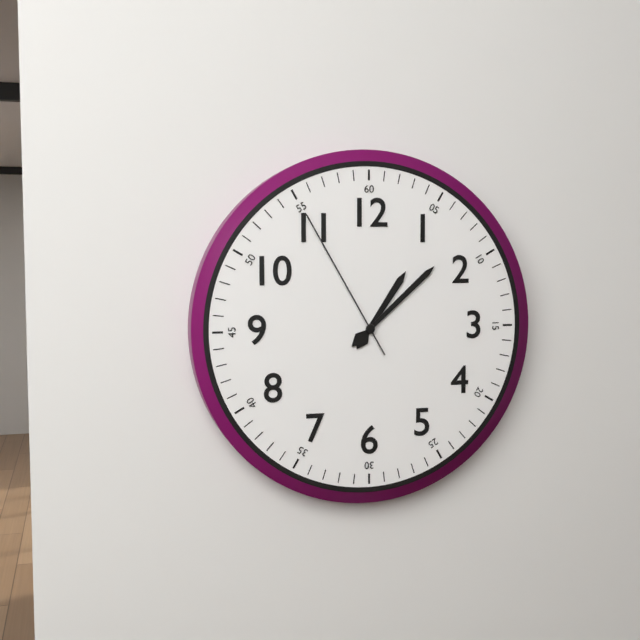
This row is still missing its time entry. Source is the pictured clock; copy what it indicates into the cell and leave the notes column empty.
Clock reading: 1:08:55
